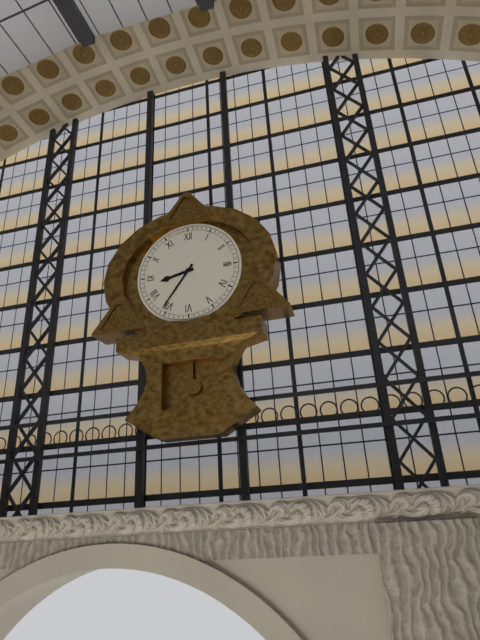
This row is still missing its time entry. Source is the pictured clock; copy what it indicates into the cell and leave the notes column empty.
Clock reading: 8:36
